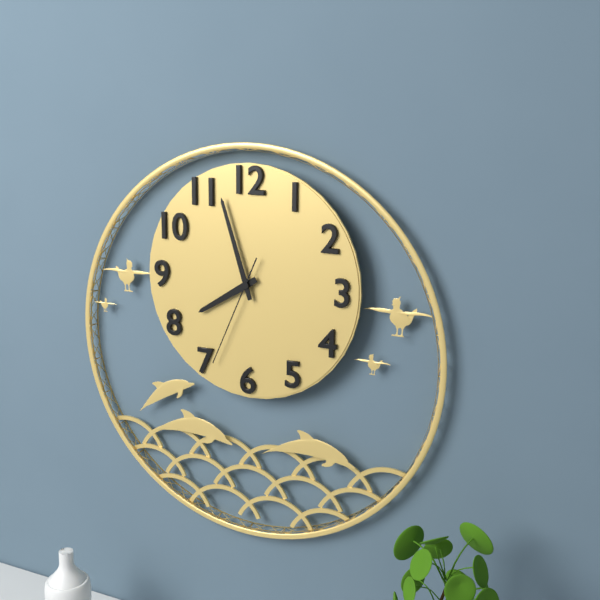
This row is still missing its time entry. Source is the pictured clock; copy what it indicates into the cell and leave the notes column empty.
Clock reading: 7:57:34
